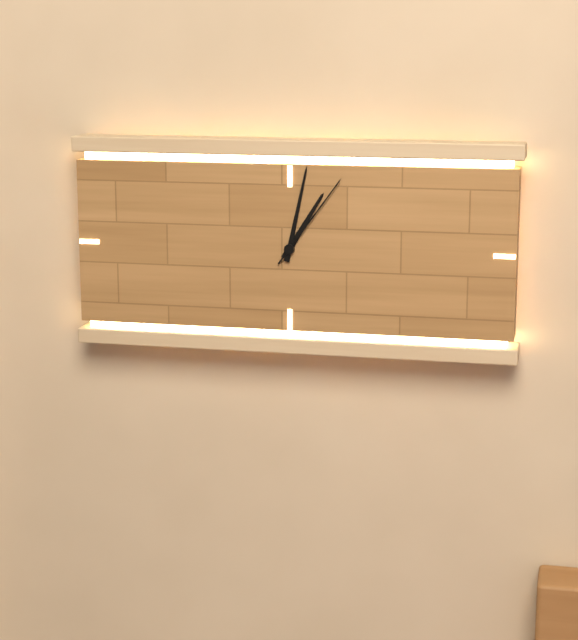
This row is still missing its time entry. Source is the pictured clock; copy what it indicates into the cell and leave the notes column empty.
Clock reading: 1:02:06
